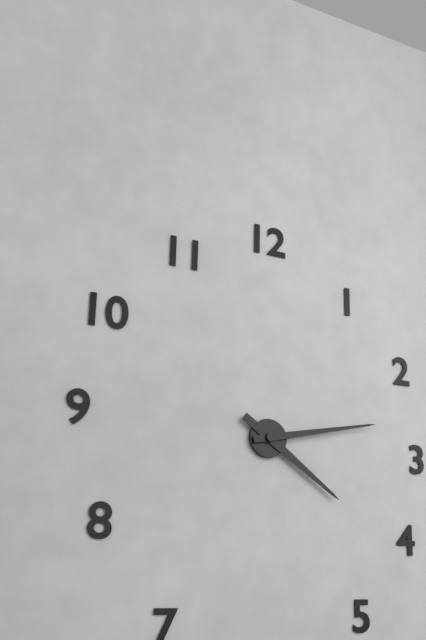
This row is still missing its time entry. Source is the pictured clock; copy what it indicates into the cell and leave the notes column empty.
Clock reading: 4:13
